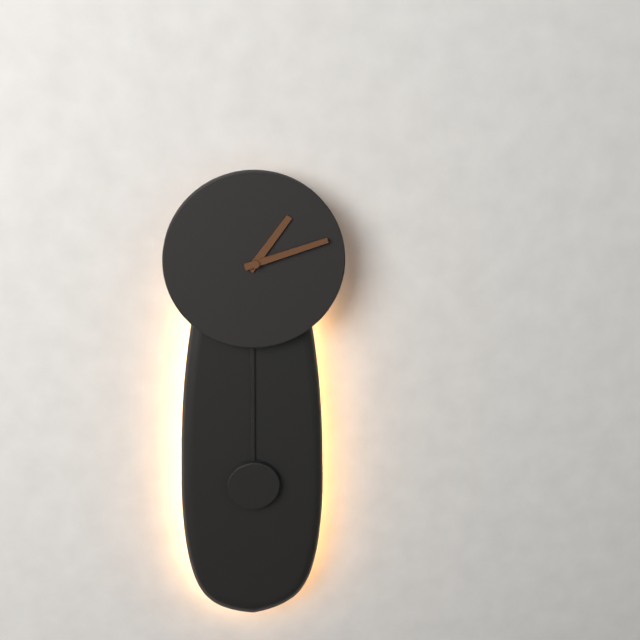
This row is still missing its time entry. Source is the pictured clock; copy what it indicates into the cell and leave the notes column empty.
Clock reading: 1:12
